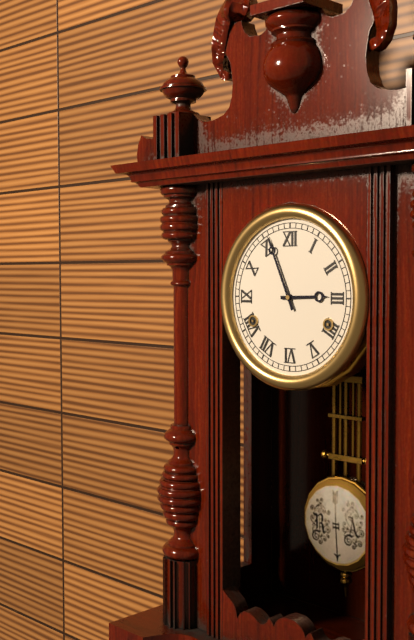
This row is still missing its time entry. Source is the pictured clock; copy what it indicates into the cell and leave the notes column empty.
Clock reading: 2:56
